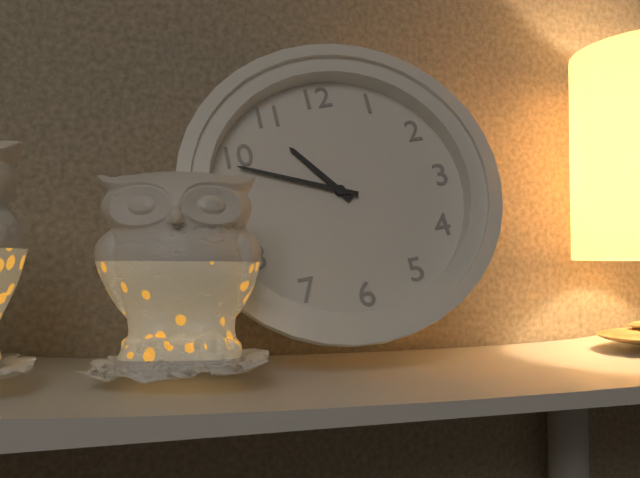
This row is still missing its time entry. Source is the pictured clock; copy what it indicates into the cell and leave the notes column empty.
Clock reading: 10:49
